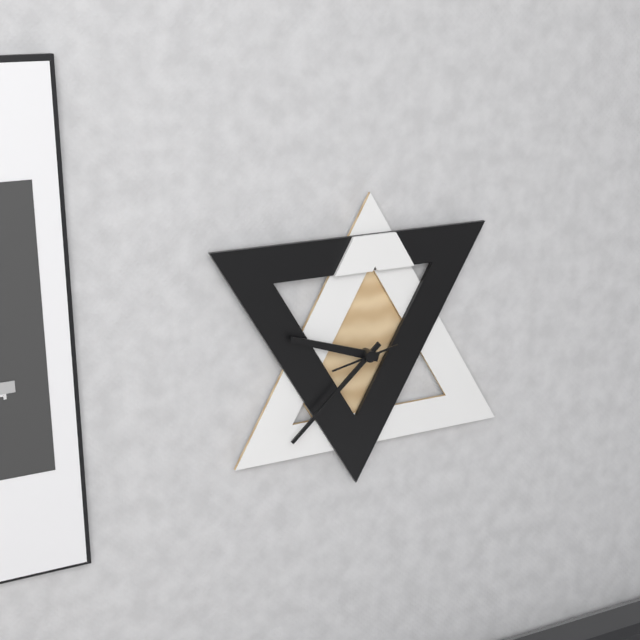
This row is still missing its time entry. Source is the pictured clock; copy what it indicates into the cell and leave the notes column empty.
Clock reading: 9:38
